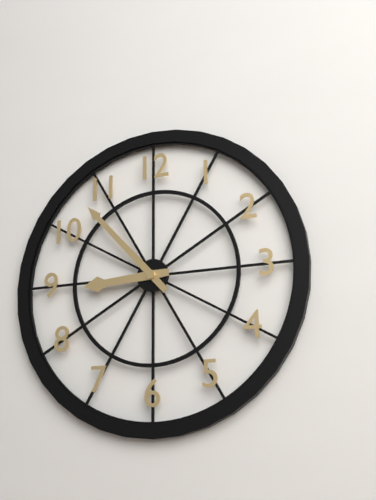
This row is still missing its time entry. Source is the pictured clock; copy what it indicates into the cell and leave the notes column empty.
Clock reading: 8:53
